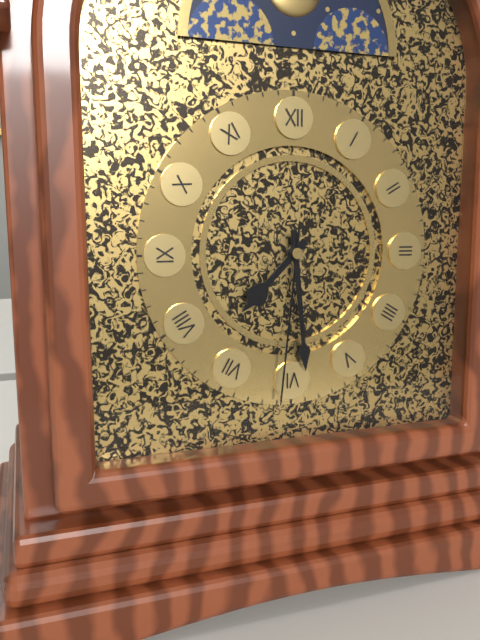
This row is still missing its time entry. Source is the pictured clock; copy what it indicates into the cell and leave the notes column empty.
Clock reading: 7:29:31
